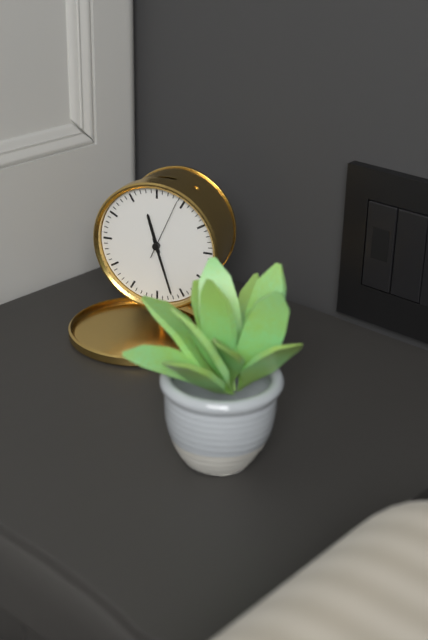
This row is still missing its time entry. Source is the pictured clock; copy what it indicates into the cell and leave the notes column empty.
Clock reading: 11:27:04
